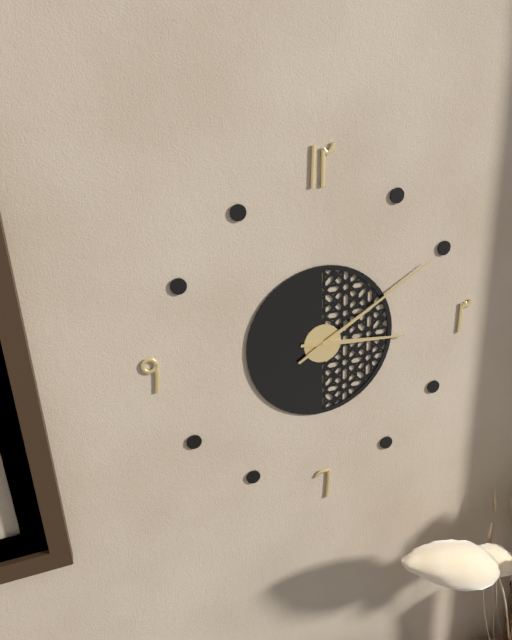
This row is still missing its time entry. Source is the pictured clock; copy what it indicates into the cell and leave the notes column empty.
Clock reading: 3:10
